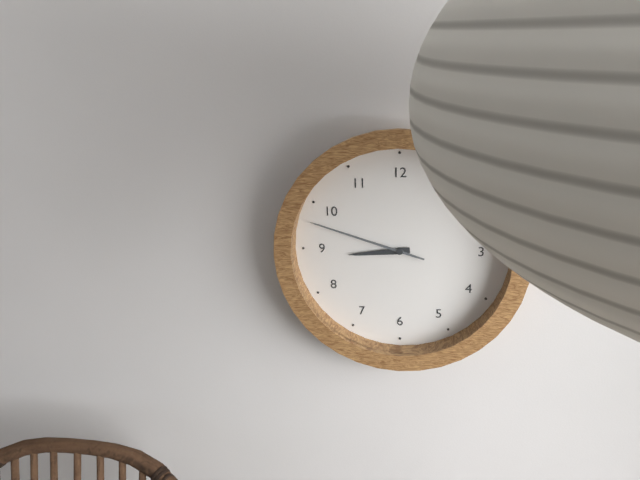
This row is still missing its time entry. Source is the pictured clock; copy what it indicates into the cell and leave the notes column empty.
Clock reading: 8:48
